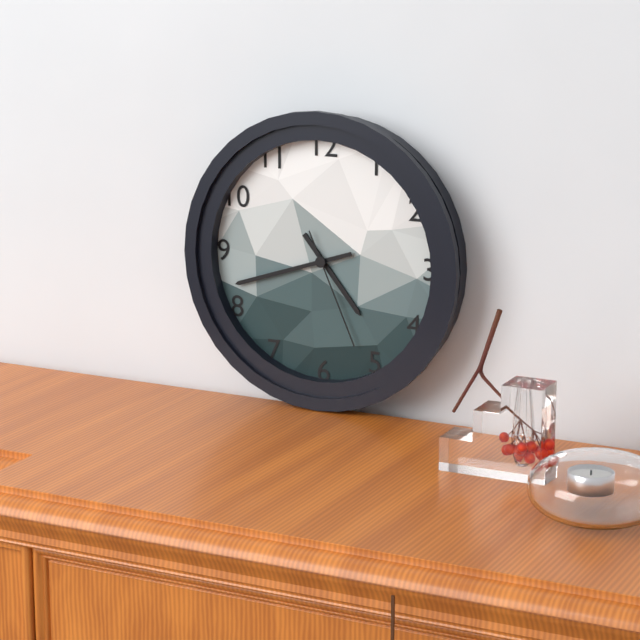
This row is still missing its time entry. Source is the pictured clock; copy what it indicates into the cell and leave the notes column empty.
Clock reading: 4:42:26
